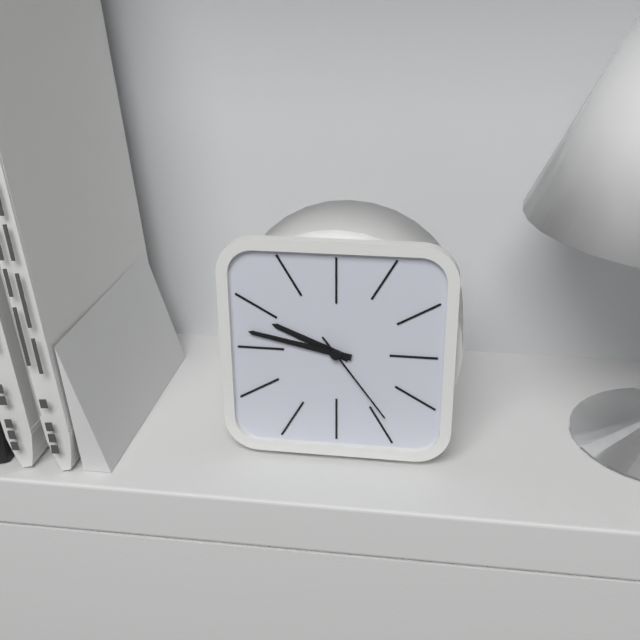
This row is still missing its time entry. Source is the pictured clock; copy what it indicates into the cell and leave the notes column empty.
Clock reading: 9:47:24
